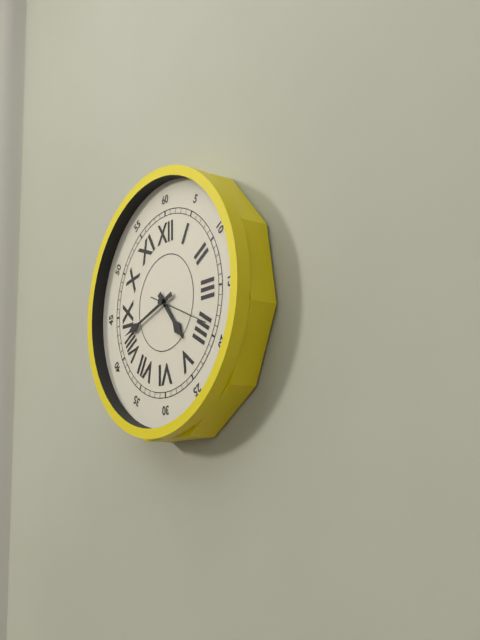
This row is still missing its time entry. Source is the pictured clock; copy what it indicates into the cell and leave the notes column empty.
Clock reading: 4:42:19
